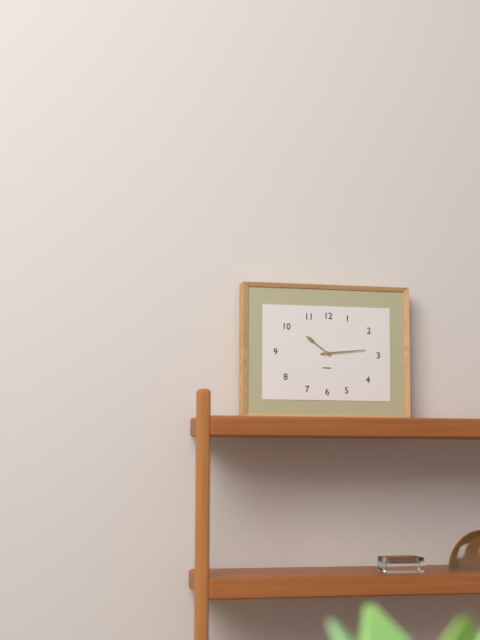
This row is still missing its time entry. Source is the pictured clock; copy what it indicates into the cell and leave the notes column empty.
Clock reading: 10:14
